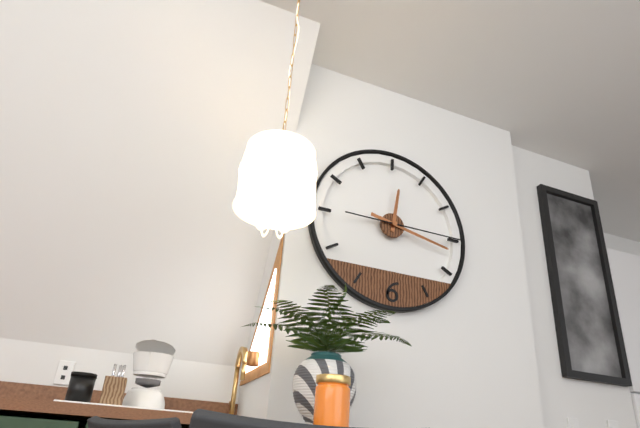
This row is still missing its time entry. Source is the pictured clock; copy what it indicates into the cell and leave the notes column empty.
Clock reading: 12:17:15
